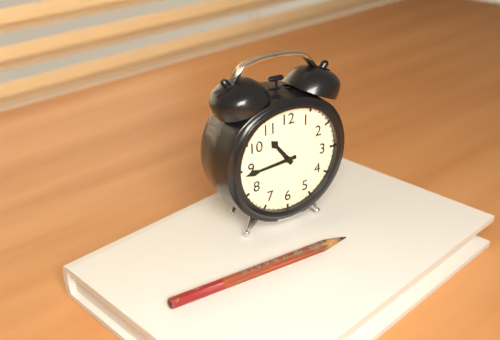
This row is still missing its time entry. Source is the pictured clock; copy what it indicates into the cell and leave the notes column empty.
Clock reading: 10:44
